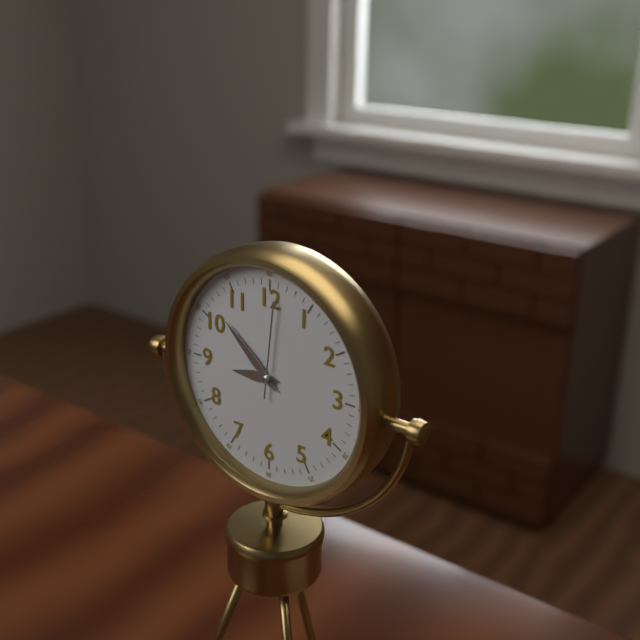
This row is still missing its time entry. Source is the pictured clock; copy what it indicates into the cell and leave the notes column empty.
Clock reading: 8:52:01
